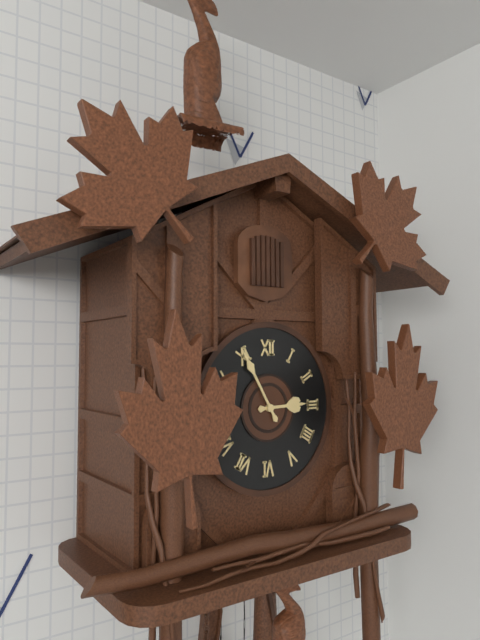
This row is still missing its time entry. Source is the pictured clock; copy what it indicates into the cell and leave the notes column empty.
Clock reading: 2:55
